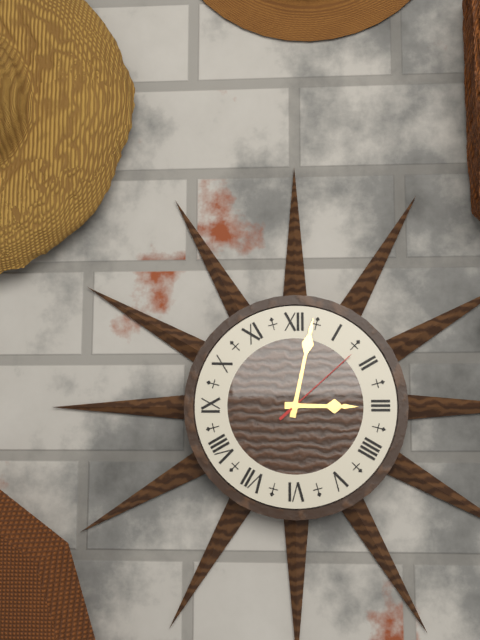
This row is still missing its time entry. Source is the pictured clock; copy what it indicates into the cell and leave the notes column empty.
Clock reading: 3:02:08
